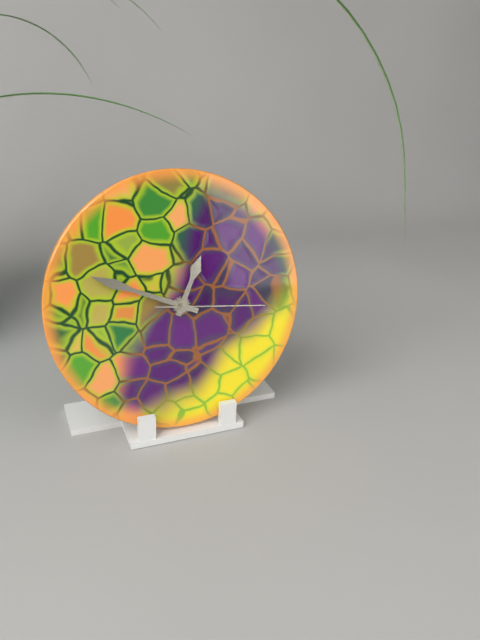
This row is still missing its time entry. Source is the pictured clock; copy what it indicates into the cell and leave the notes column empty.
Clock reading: 12:49:16
